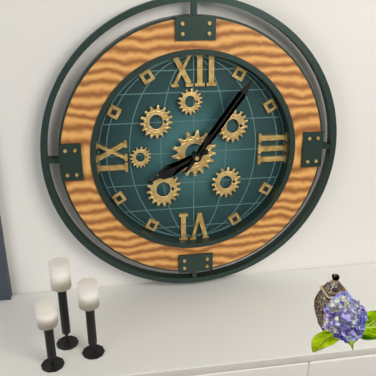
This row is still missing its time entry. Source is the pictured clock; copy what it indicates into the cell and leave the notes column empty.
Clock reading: 8:06
